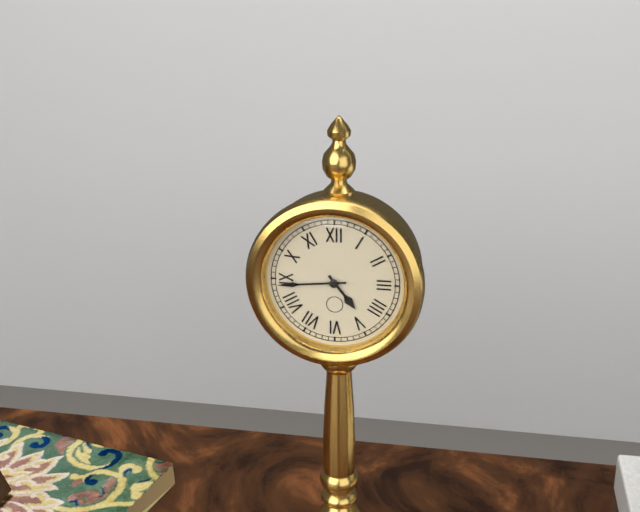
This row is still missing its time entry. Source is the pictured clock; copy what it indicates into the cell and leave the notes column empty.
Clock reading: 4:44
